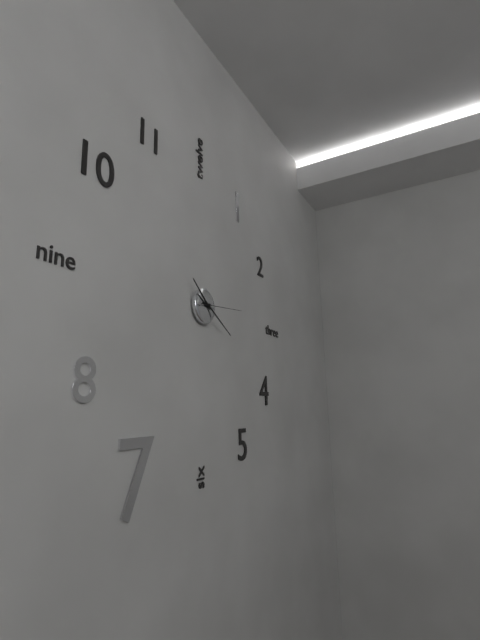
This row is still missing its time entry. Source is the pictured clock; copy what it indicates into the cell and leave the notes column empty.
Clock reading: 10:20:14
